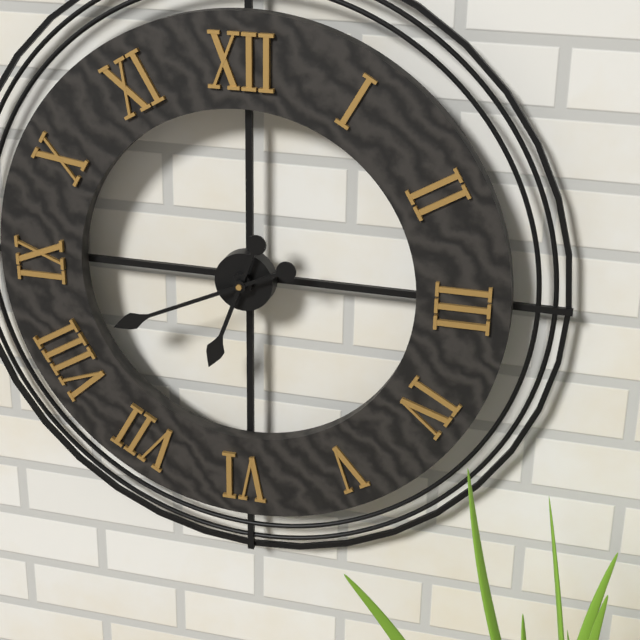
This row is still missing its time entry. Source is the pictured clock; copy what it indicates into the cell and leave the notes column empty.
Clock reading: 6:41
